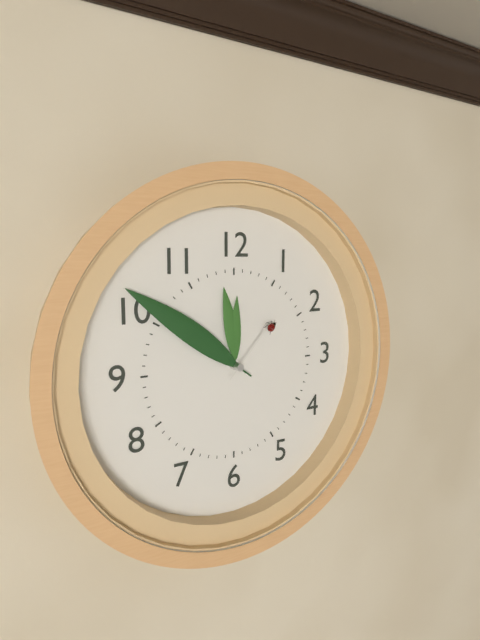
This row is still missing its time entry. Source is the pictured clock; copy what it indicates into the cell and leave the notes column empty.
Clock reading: 11:51:07
